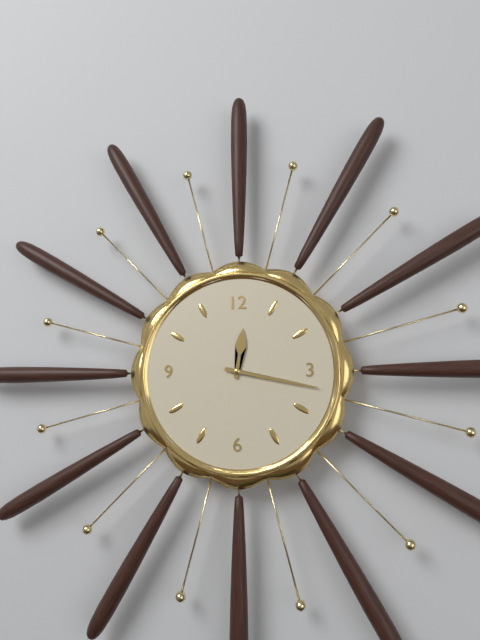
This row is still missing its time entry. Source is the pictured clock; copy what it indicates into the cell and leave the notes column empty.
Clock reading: 12:17
